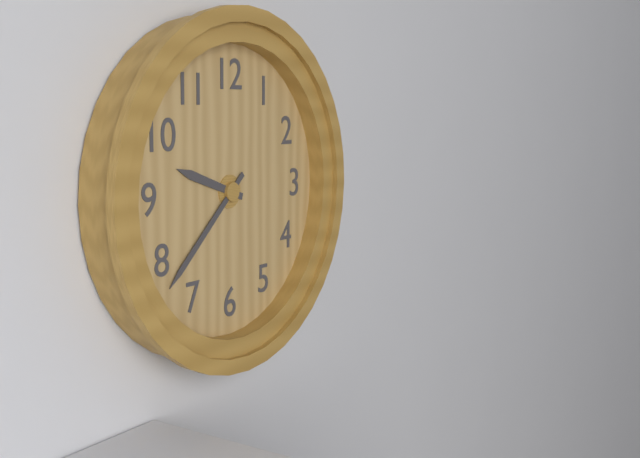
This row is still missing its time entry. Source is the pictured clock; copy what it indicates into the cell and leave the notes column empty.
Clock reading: 9:38
